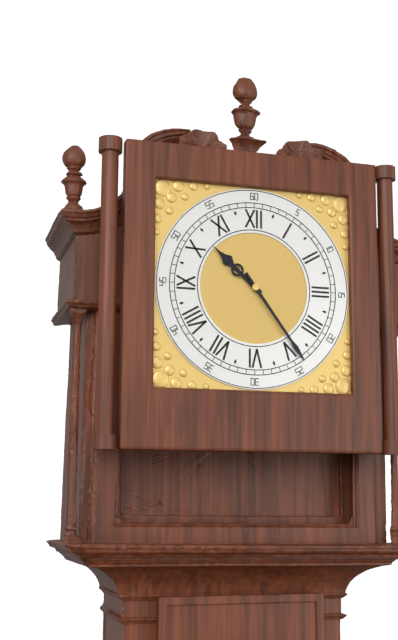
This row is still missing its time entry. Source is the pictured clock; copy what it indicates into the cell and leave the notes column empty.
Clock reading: 10:24
